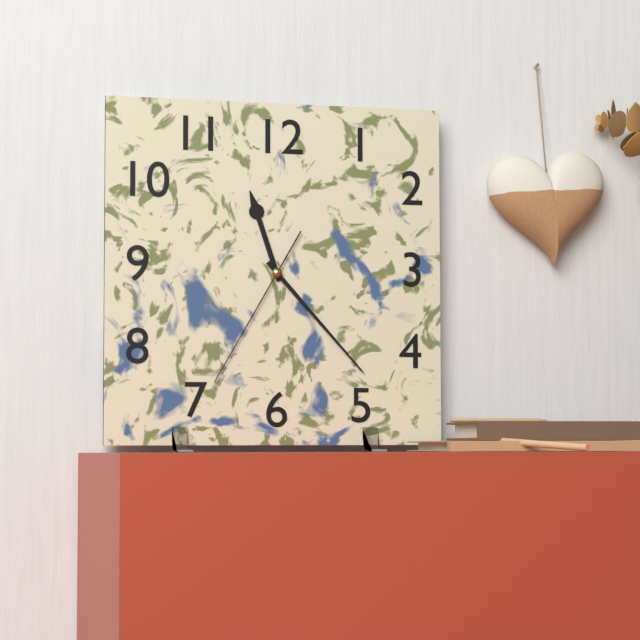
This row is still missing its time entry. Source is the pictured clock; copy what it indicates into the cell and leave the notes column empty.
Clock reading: 11:23:35
